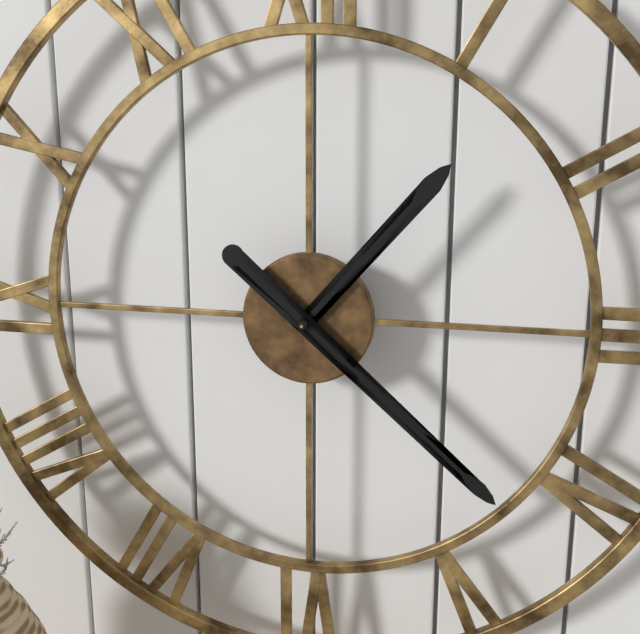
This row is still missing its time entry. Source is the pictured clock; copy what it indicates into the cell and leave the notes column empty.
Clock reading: 1:22
